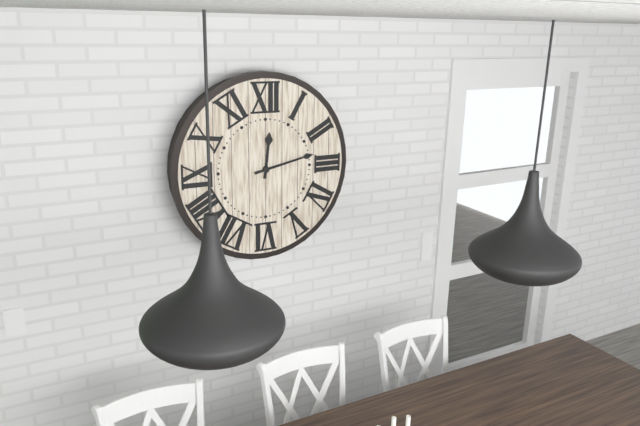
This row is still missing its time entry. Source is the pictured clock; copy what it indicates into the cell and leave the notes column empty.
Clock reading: 12:13
